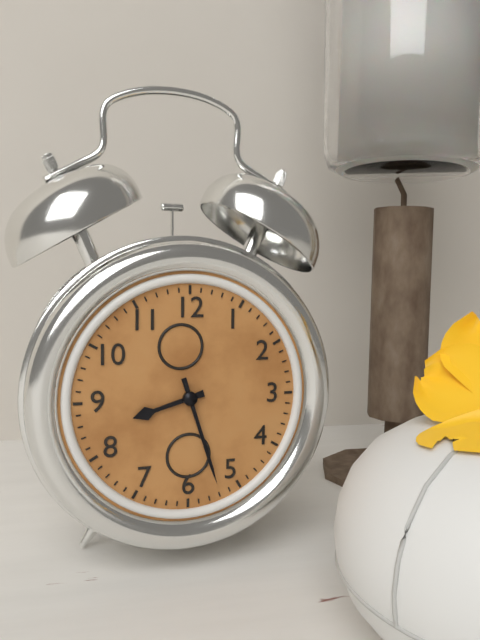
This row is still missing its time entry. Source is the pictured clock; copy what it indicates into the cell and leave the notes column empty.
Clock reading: 8:27
